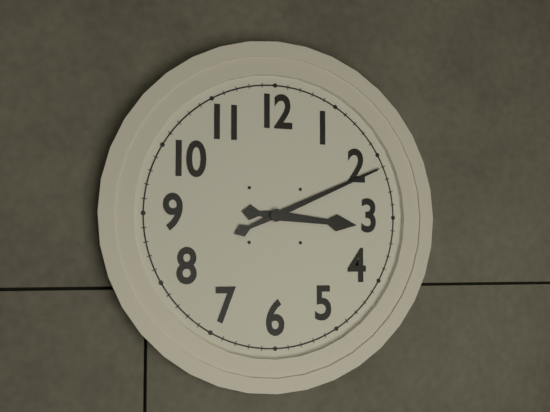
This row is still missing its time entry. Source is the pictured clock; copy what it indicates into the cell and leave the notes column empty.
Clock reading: 3:11
